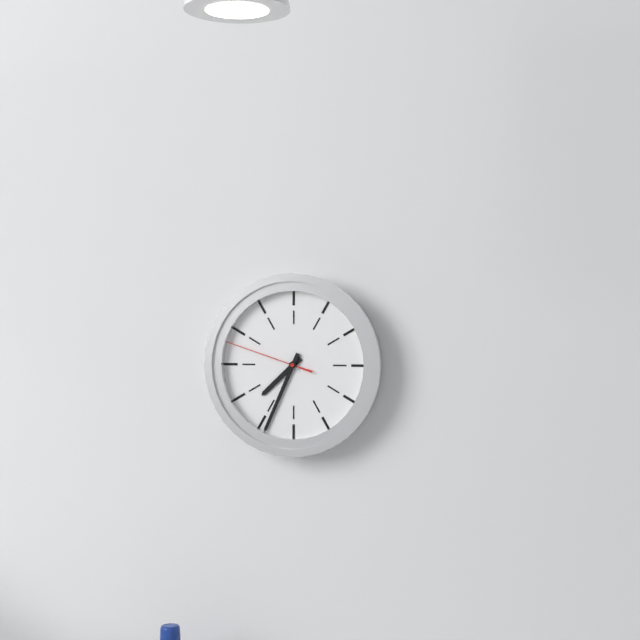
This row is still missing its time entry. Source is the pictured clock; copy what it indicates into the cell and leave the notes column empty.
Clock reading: 7:34:48
